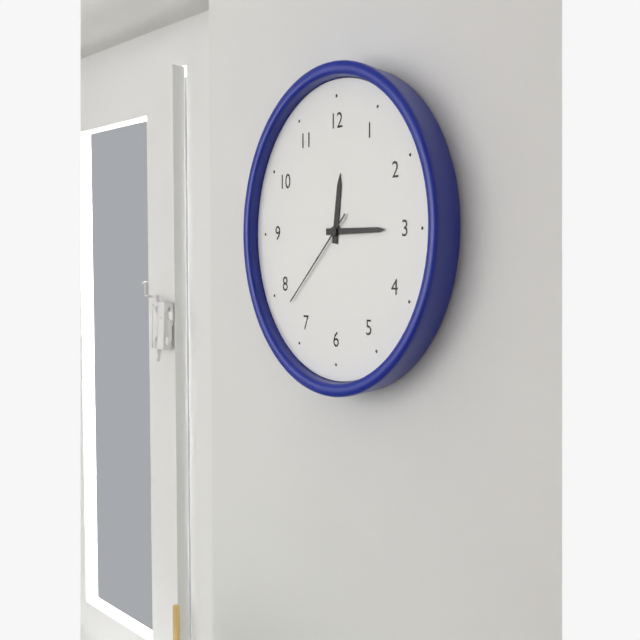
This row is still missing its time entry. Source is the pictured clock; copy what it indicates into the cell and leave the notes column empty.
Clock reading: 12:15:38
